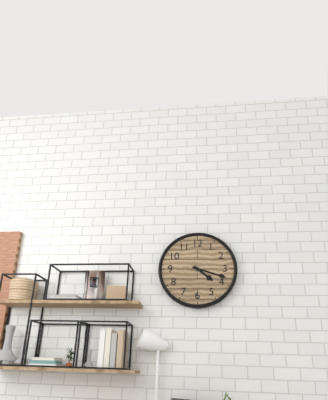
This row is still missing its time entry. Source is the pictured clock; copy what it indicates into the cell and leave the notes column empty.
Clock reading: 4:18
